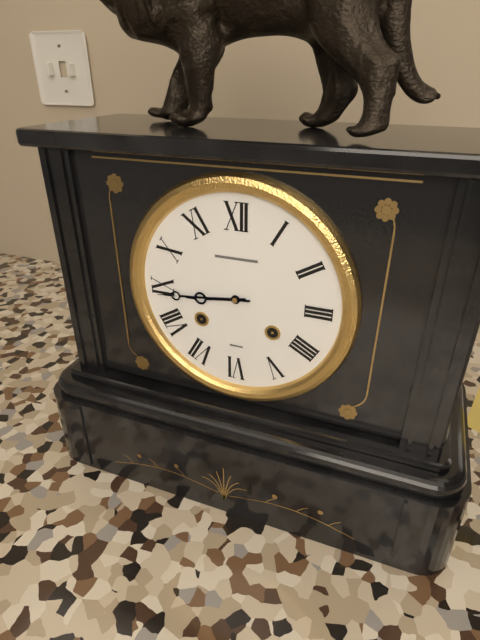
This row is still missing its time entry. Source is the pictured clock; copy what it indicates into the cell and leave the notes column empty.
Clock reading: 8:44
